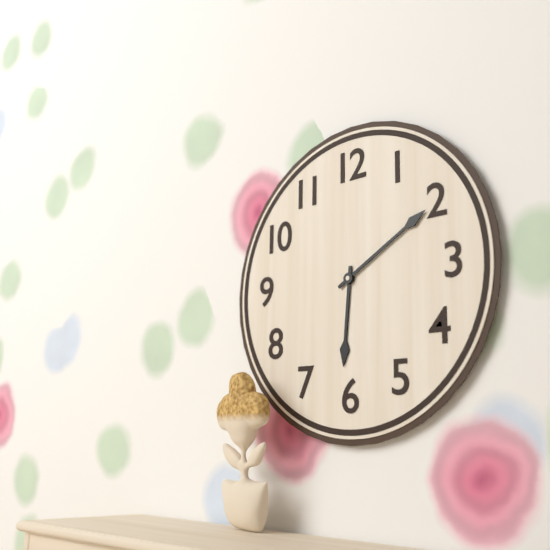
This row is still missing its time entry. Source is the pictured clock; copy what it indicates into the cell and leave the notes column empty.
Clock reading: 6:10
